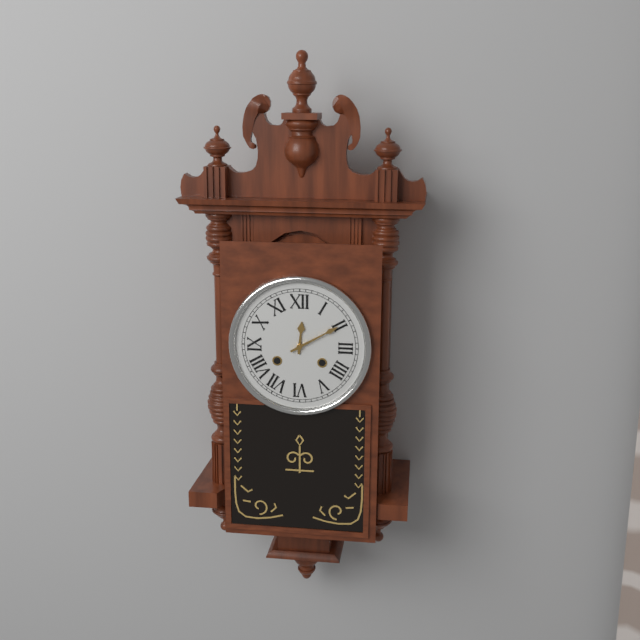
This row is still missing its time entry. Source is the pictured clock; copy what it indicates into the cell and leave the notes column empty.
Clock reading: 12:10
